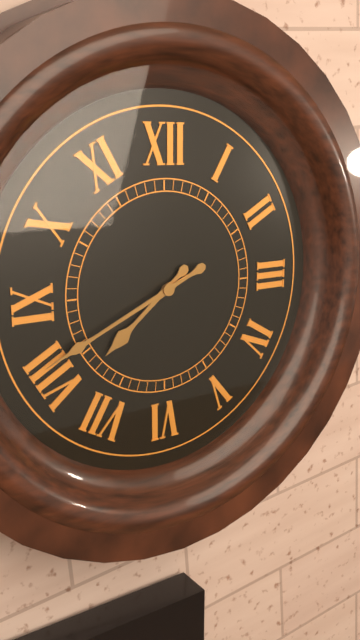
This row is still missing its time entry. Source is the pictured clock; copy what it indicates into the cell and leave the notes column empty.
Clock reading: 7:41
